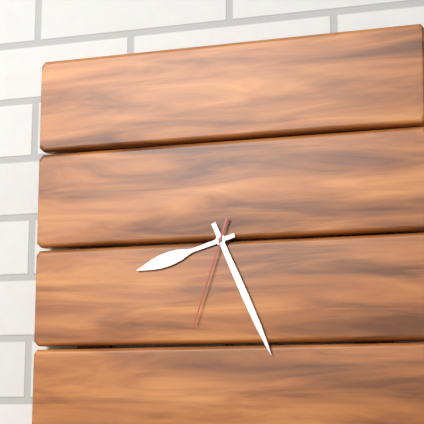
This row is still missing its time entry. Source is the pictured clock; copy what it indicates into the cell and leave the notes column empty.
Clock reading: 8:26:33
